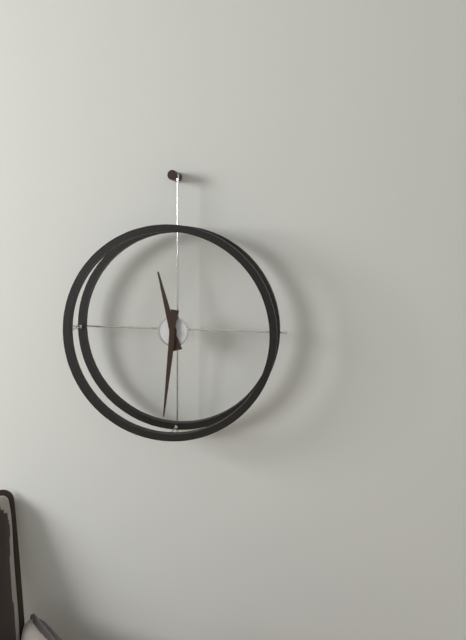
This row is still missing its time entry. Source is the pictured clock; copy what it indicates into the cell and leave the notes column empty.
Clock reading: 11:31
